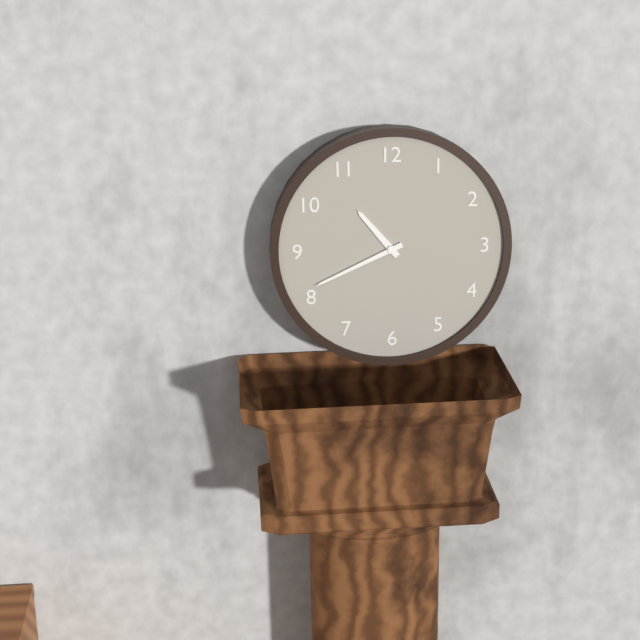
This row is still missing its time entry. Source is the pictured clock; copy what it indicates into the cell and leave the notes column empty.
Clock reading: 10:41
